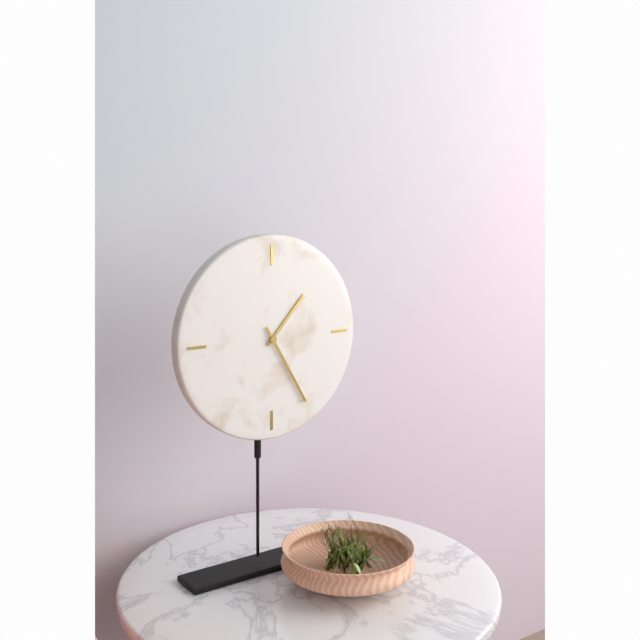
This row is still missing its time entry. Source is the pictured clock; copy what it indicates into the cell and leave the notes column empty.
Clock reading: 1:25
